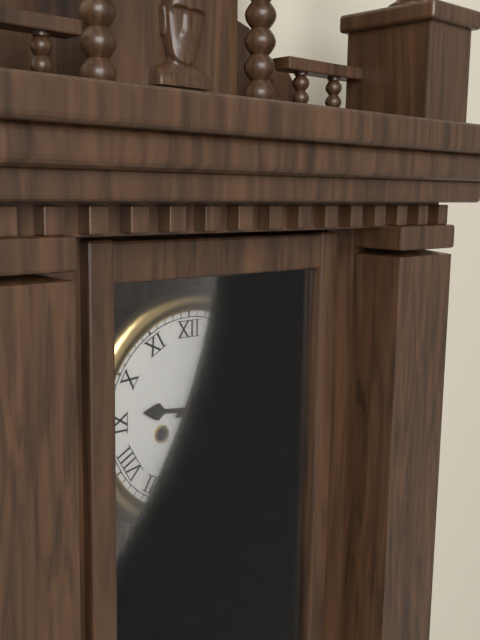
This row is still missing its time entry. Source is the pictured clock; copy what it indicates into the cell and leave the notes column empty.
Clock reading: 9:13
